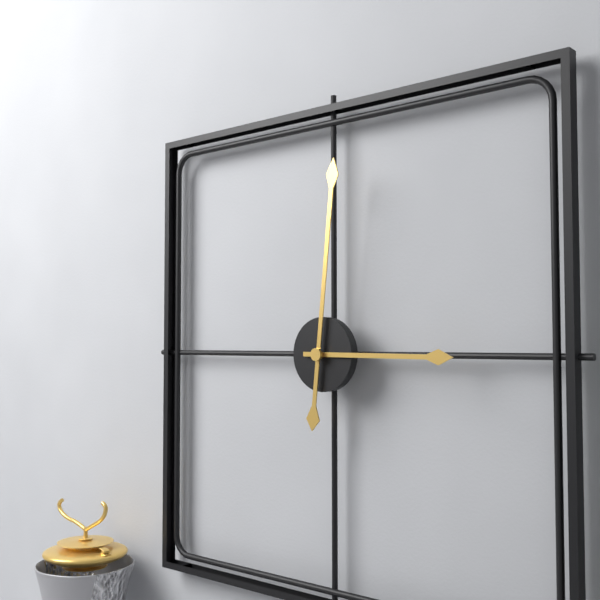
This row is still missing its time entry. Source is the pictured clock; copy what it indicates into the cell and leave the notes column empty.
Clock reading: 3:01
